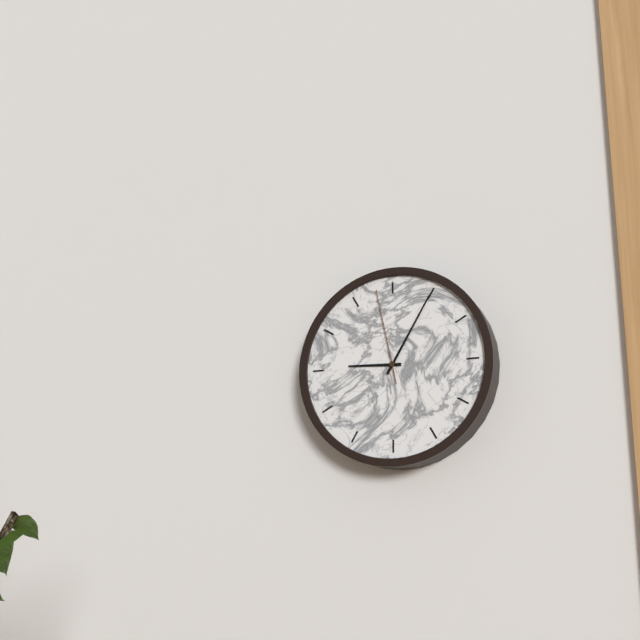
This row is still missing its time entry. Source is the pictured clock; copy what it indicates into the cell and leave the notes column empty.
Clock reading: 9:05:58
